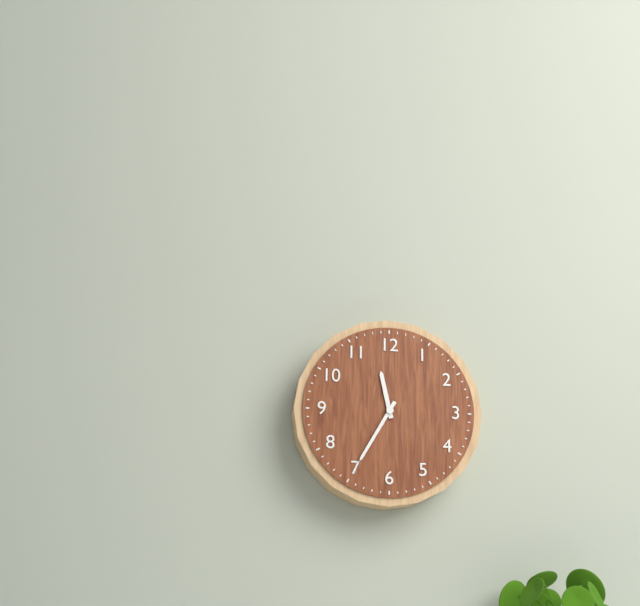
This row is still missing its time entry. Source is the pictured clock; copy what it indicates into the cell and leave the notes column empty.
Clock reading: 11:35
